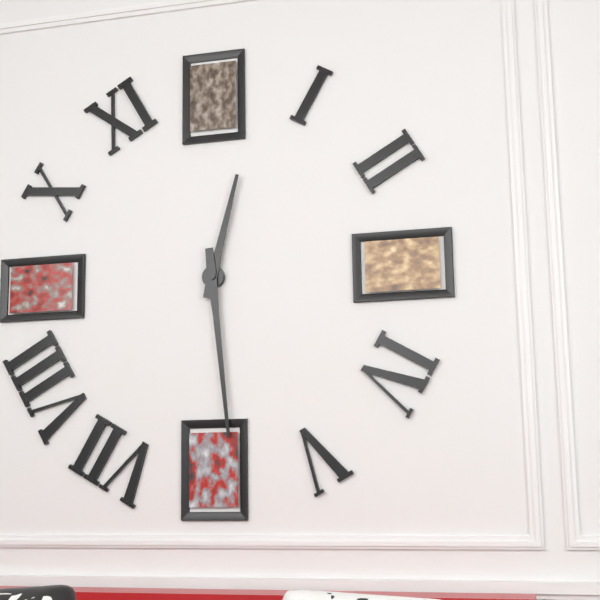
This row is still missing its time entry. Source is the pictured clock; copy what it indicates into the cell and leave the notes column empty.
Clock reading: 12:29
